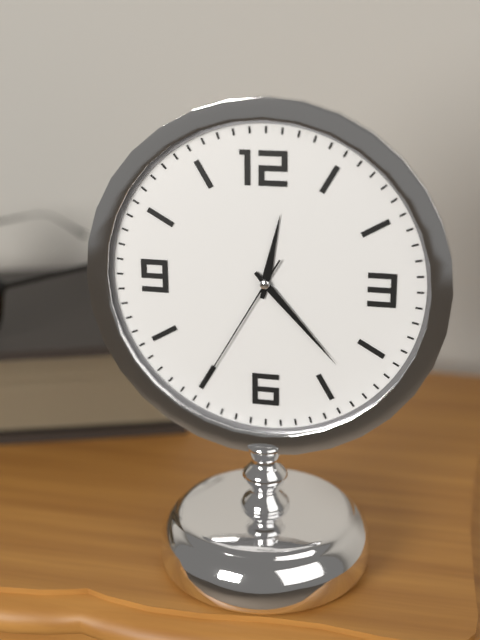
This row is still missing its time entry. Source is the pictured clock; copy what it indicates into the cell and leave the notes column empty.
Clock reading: 12:23:35
